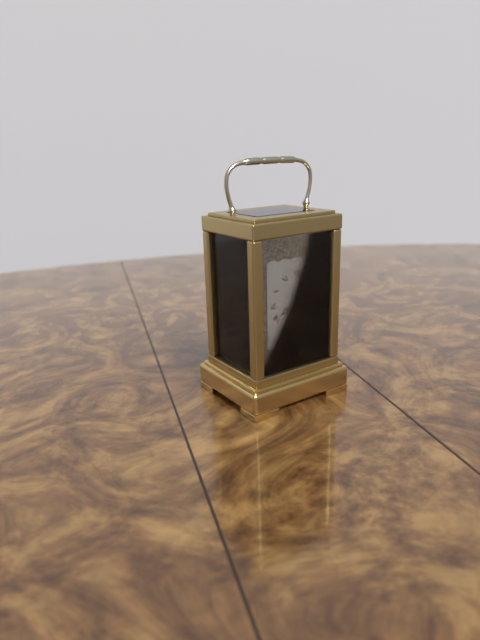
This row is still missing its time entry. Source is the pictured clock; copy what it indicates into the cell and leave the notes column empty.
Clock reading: 8:02
